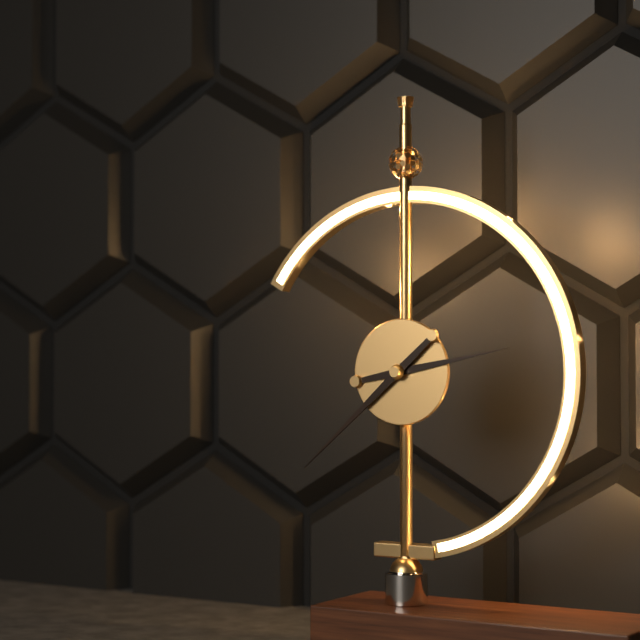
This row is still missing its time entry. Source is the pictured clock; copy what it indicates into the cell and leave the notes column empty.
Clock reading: 2:38
